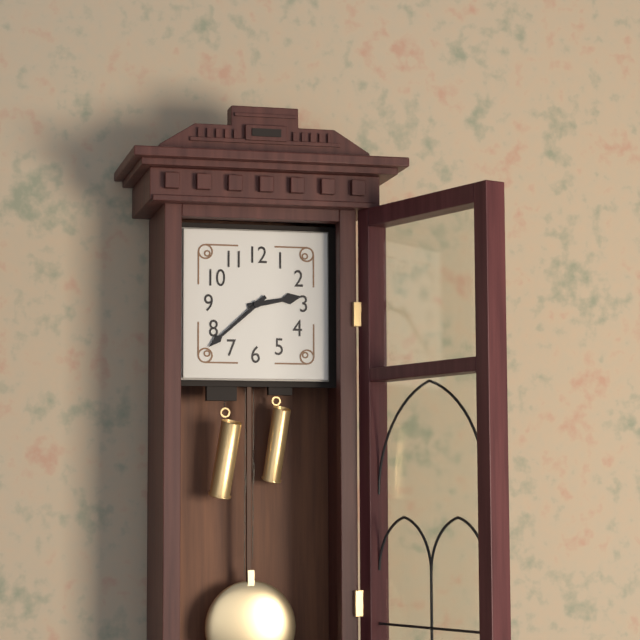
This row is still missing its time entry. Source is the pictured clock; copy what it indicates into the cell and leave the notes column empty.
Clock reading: 2:38
